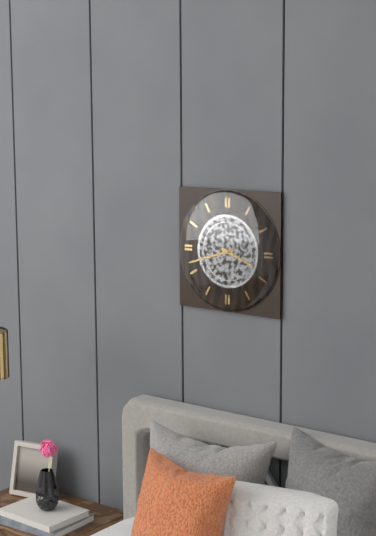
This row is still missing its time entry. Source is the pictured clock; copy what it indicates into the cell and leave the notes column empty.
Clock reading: 3:42
